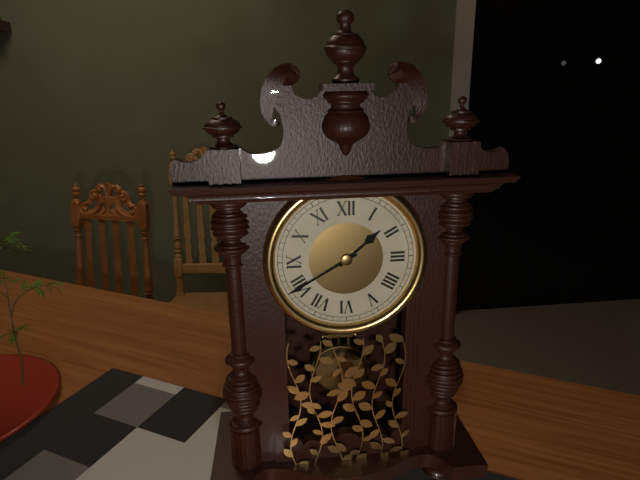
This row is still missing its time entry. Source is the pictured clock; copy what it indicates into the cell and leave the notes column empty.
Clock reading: 1:40
